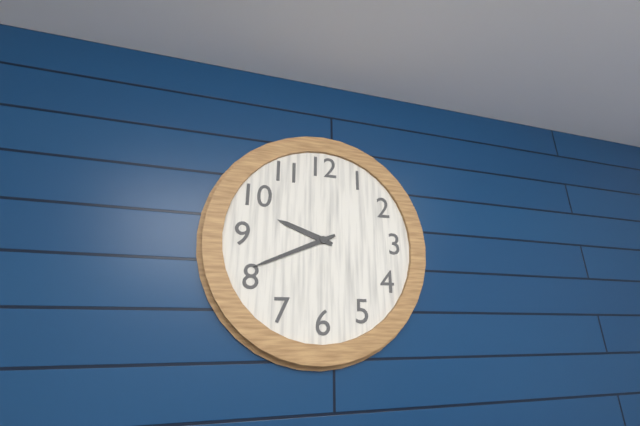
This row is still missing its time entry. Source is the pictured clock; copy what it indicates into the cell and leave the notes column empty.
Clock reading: 9:41
